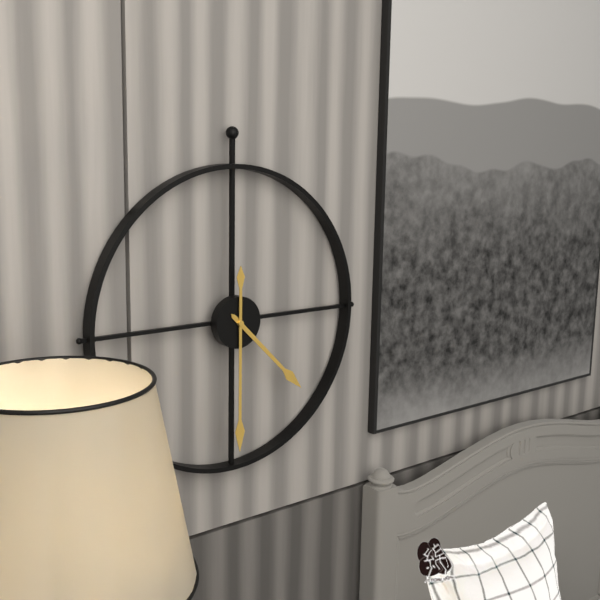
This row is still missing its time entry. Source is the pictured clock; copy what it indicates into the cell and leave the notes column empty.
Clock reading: 4:30
